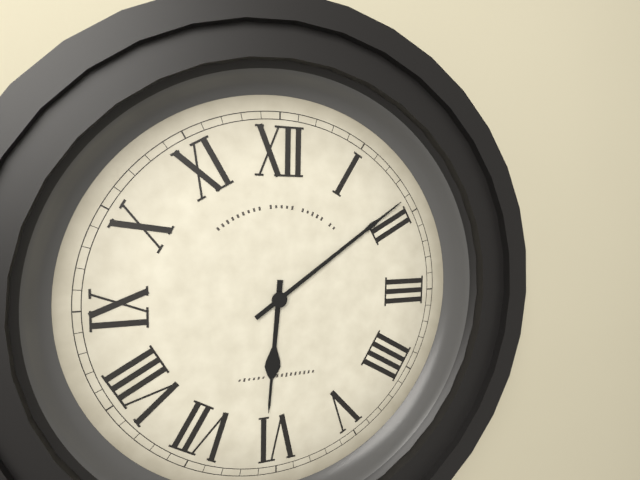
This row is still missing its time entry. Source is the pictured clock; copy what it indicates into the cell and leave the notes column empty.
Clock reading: 6:09
